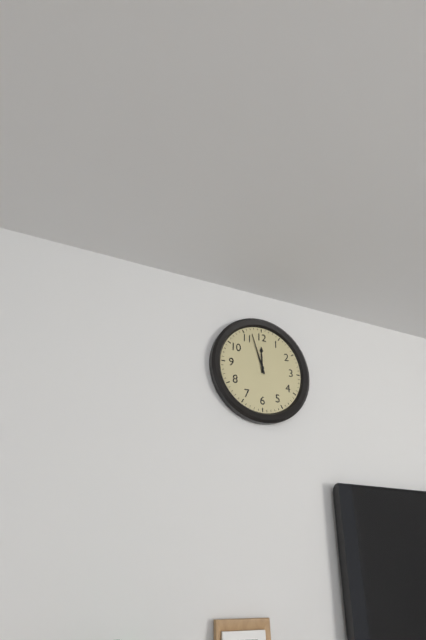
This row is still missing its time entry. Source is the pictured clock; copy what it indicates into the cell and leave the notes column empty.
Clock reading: 11:57
